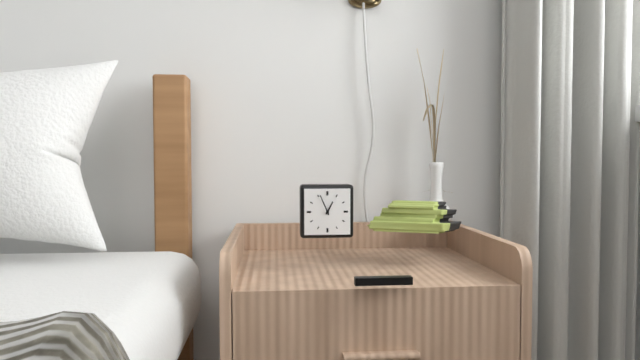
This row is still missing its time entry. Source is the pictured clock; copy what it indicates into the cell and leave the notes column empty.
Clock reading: 12:56
